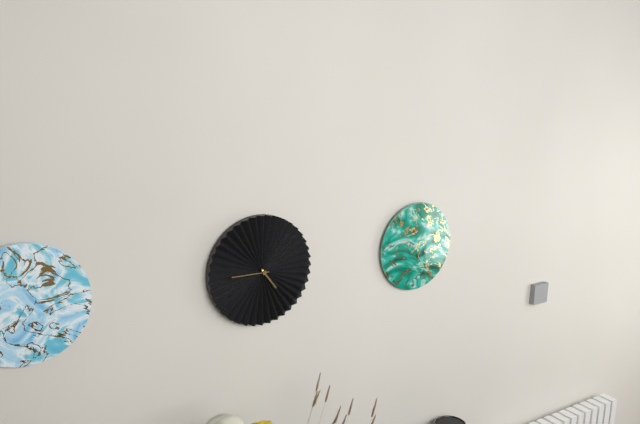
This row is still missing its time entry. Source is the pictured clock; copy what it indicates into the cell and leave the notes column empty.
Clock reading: 4:45
